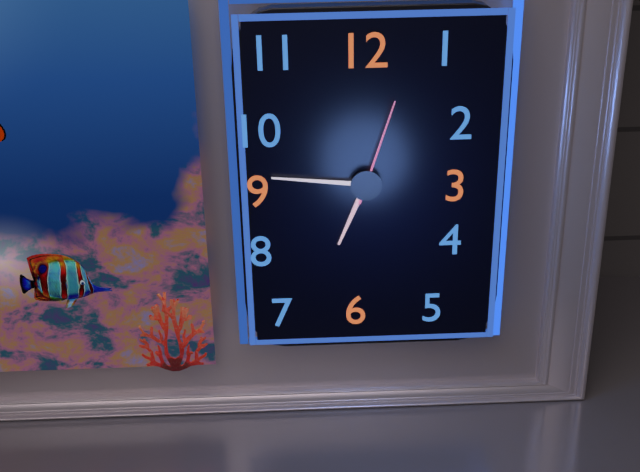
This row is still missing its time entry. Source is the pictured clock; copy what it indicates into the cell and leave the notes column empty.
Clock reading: 6:46:03
